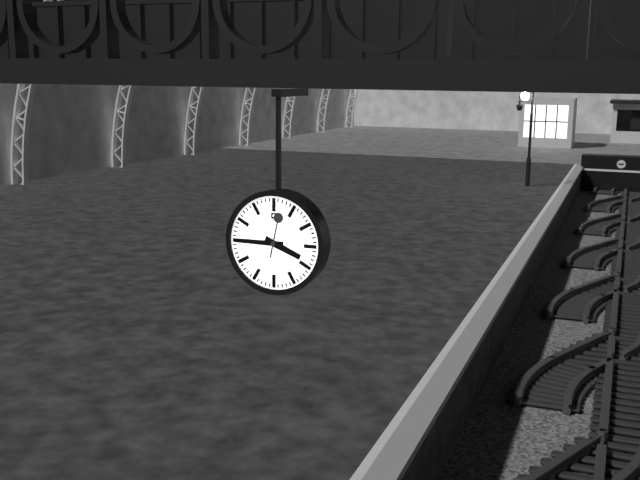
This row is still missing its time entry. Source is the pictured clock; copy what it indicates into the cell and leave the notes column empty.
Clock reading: 3:45
